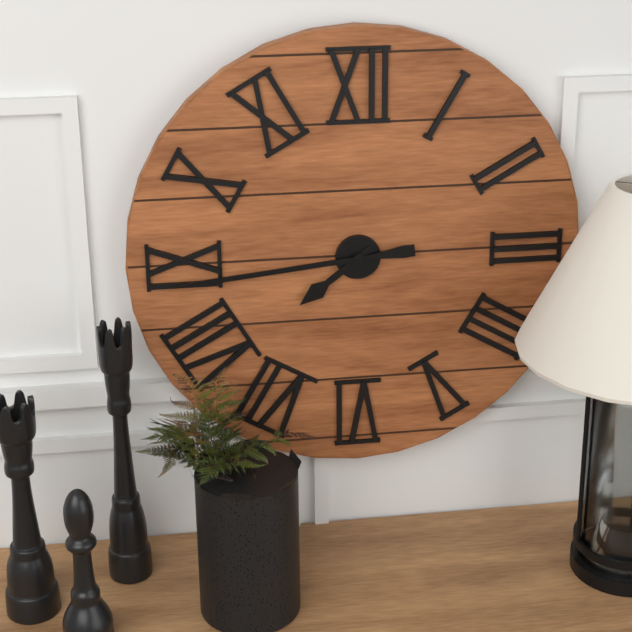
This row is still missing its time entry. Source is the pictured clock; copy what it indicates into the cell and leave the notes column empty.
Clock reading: 7:44
